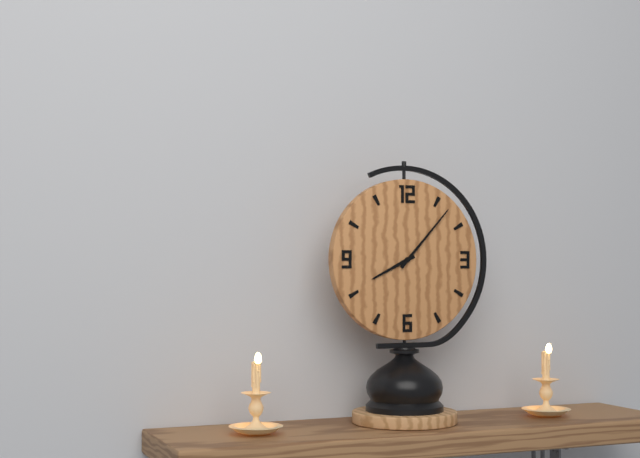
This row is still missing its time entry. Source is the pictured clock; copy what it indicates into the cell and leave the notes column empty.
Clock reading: 8:07
